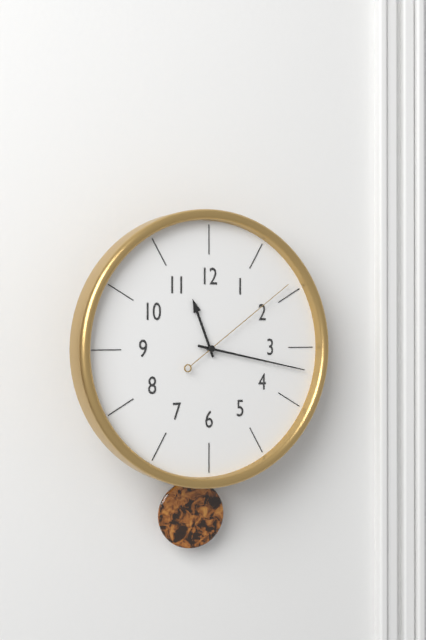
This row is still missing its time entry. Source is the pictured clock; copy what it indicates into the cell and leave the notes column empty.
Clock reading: 11:17:09
